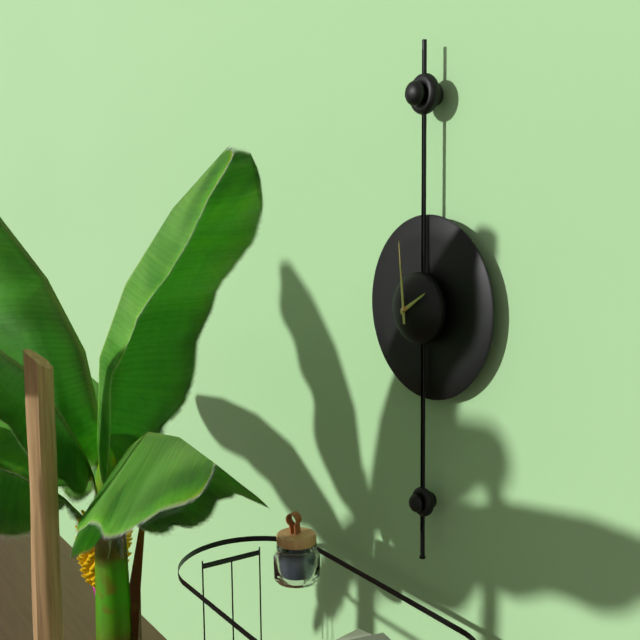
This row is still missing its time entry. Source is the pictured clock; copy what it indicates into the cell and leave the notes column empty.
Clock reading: 1:59
